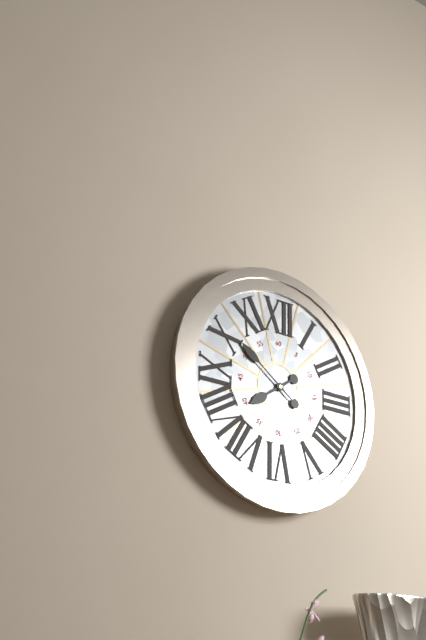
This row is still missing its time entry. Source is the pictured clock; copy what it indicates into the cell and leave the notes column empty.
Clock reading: 7:51
